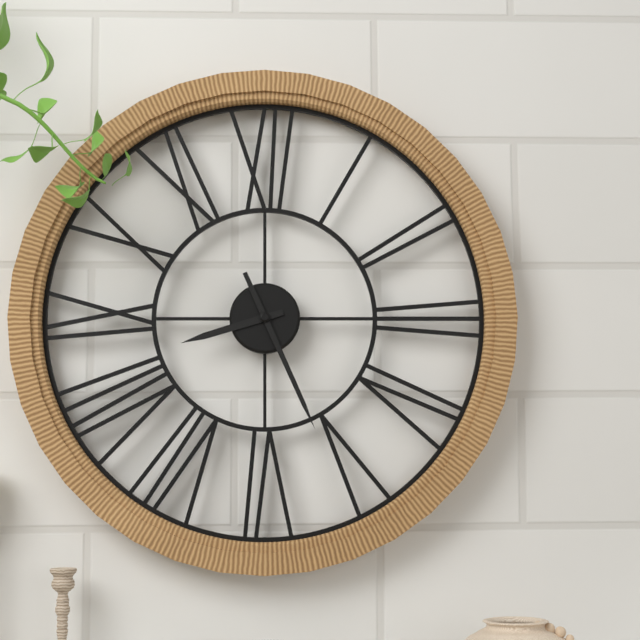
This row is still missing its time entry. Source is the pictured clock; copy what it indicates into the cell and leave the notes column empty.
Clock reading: 8:26
